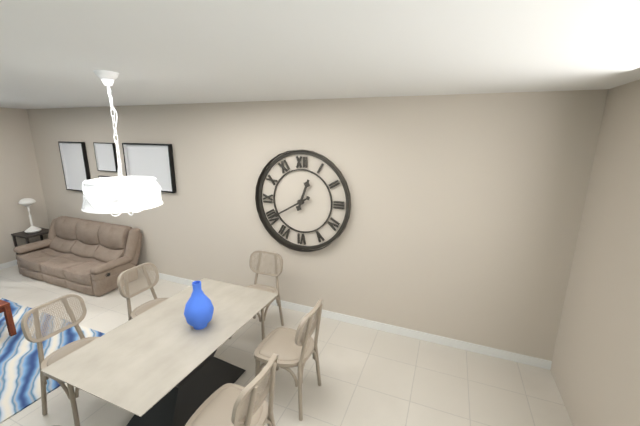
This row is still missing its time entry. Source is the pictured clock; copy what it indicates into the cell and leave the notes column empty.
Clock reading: 12:40
